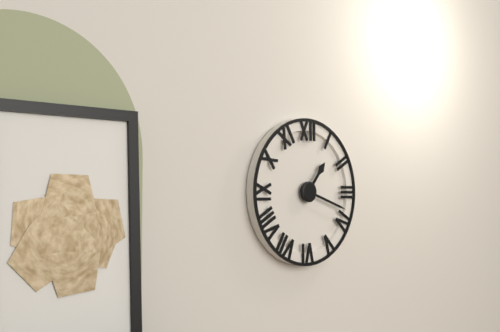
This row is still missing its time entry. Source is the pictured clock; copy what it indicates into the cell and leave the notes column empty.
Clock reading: 1:18
